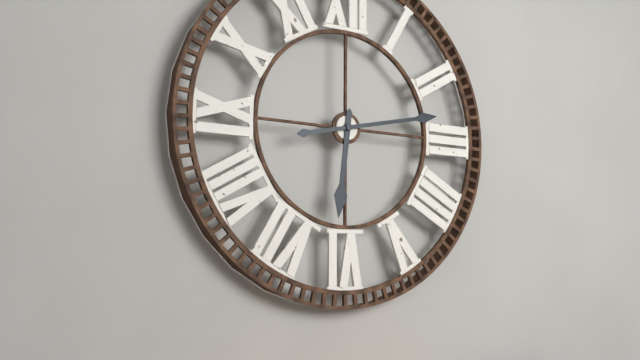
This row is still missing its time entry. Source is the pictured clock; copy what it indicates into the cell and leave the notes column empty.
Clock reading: 6:13
